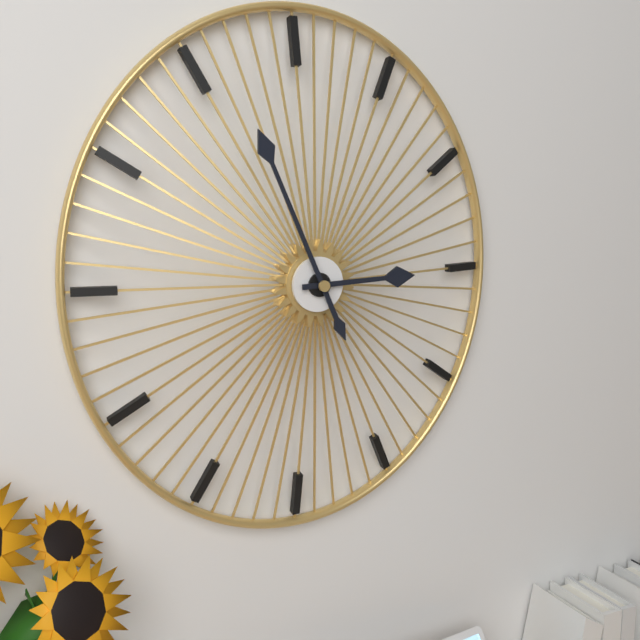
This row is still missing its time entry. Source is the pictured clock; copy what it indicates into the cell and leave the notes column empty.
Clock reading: 2:56
